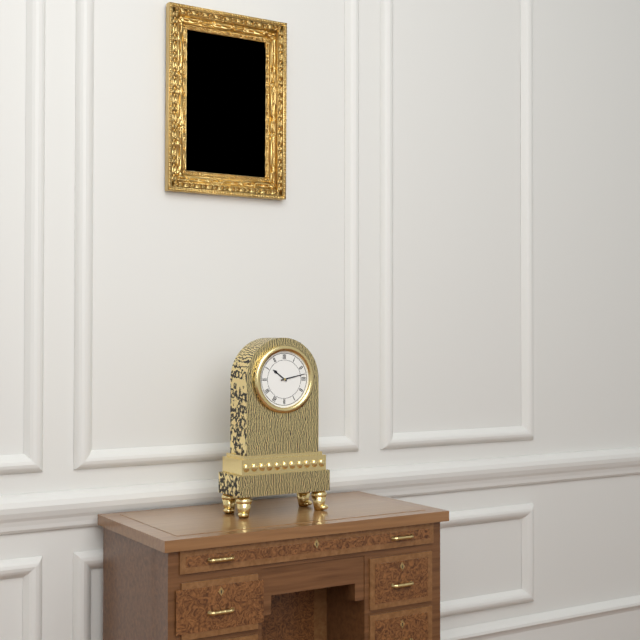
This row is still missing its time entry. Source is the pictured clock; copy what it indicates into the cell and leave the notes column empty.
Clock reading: 10:13
